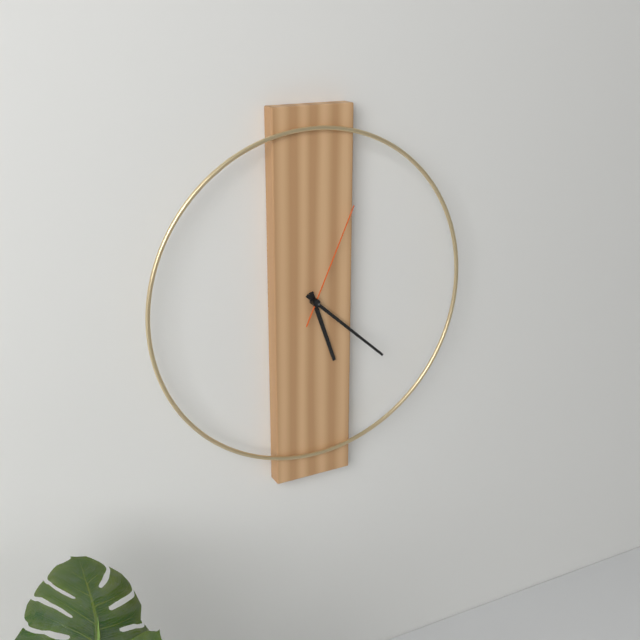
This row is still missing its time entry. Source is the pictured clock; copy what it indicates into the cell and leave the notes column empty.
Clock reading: 5:22:04
